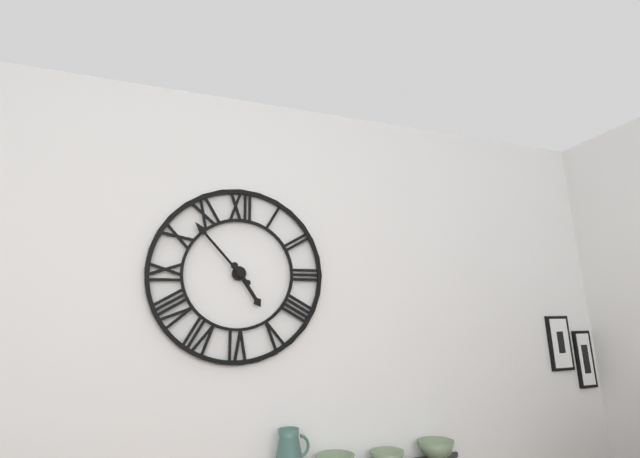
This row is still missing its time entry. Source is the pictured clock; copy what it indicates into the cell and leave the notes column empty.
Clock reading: 4:53
